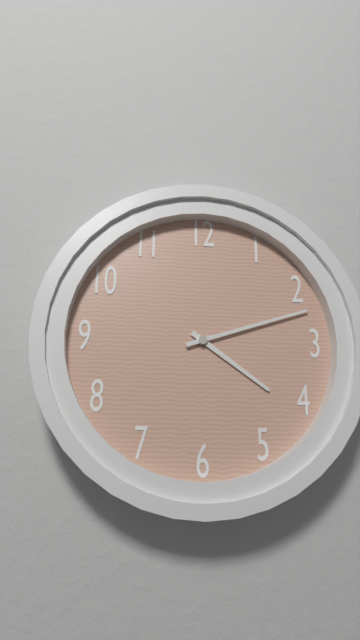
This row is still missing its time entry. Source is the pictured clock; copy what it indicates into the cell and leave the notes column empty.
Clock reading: 4:12
